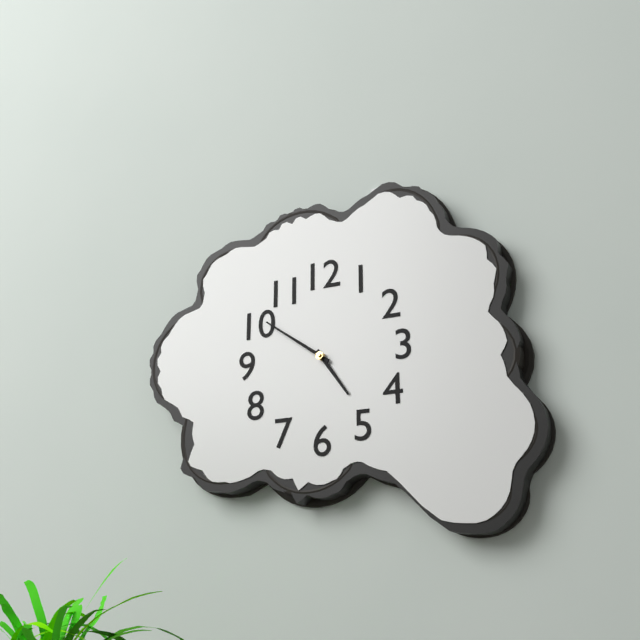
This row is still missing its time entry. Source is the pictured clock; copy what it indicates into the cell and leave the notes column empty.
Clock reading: 4:51
